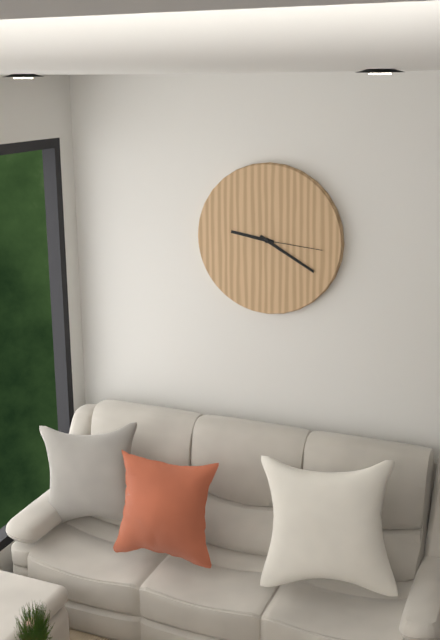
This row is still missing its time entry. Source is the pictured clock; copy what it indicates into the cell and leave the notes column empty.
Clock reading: 9:20:16
